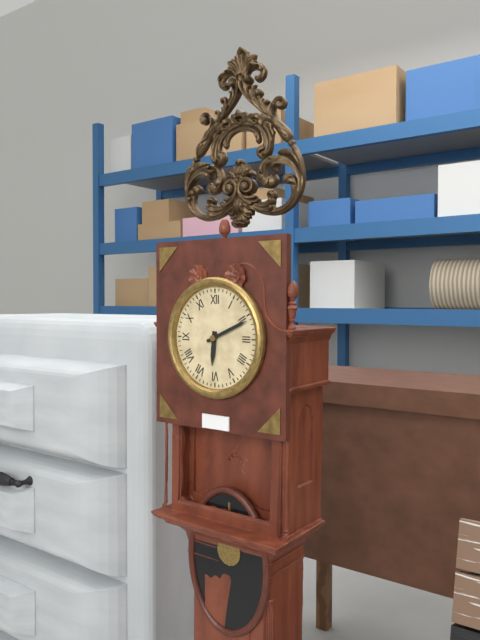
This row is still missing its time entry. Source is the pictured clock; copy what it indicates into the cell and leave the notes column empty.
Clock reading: 6:11
